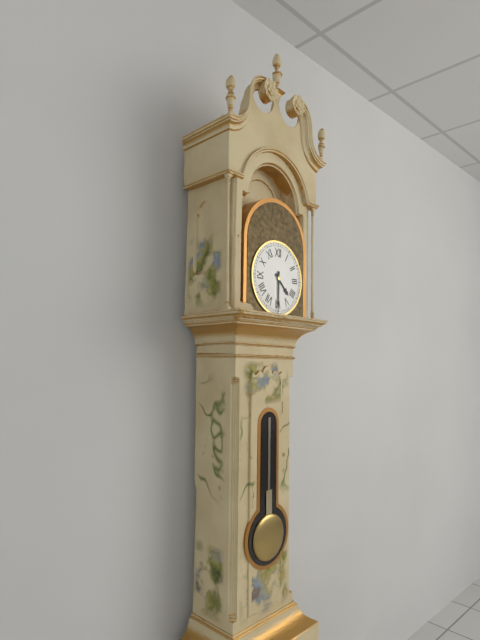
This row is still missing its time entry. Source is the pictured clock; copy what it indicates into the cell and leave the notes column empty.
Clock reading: 4:30
